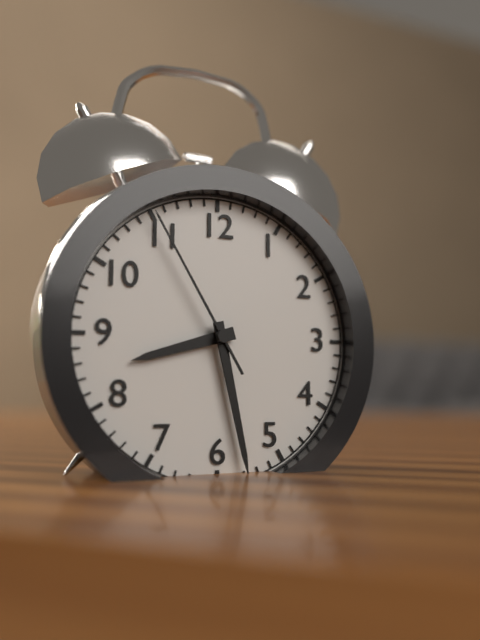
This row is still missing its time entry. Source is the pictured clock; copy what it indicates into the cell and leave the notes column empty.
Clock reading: 8:28:55
